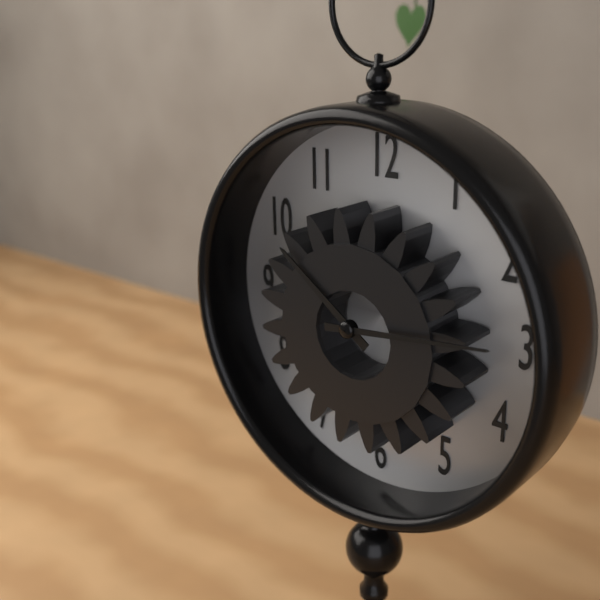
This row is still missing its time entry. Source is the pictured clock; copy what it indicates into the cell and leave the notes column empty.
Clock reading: 10:14
